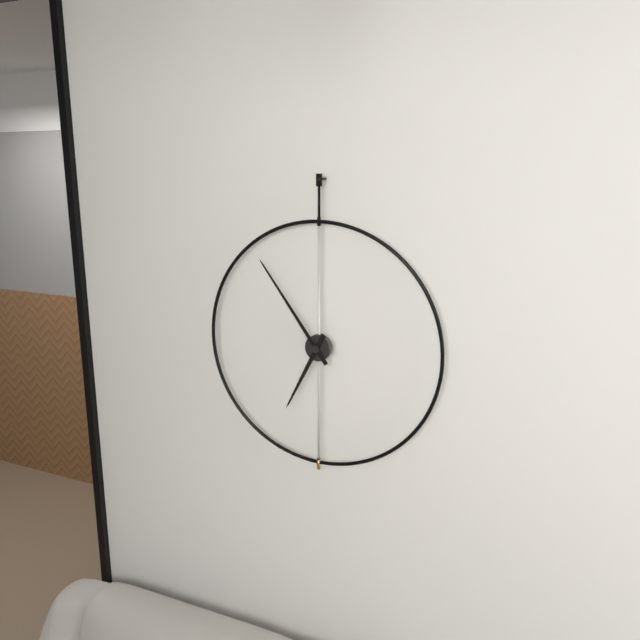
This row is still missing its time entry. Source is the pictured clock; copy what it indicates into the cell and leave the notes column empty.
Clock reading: 6:54
